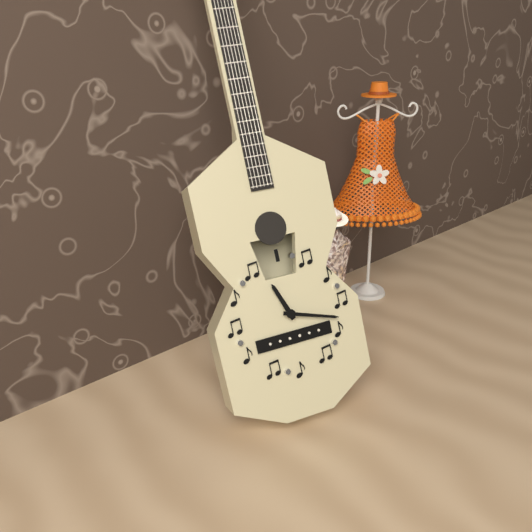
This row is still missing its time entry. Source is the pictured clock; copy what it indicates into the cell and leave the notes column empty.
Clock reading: 11:18
